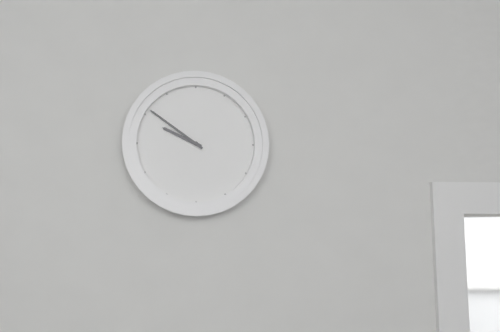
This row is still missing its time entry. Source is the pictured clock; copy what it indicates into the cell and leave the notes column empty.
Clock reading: 9:51
